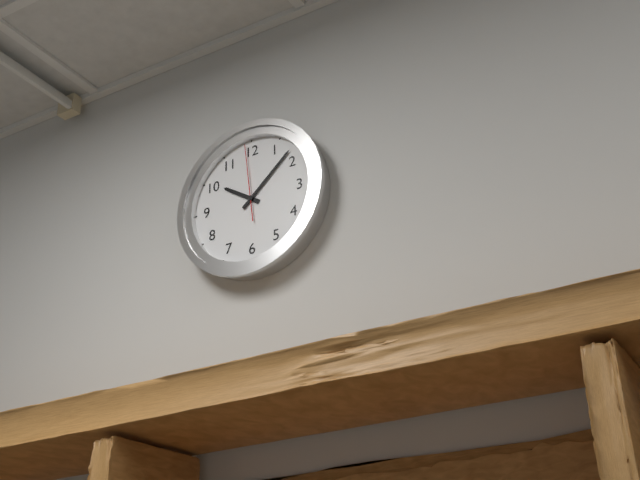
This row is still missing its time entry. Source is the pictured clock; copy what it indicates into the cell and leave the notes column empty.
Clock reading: 10:08:59
